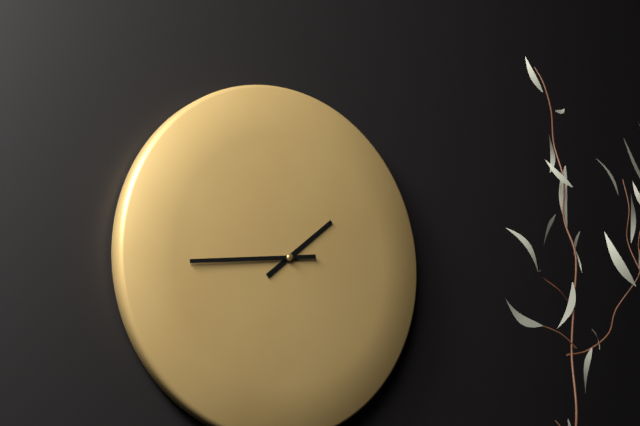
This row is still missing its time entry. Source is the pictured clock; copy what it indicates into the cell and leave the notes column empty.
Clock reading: 1:44
